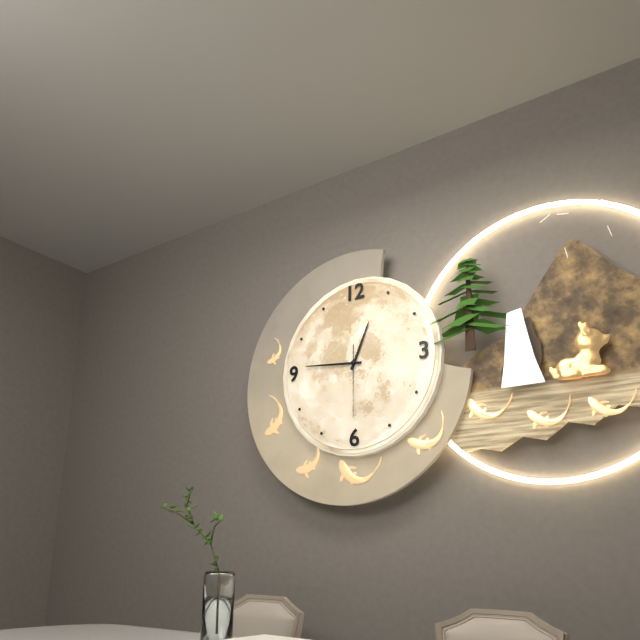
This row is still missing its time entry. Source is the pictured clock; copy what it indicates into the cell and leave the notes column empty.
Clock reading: 12:46:30
